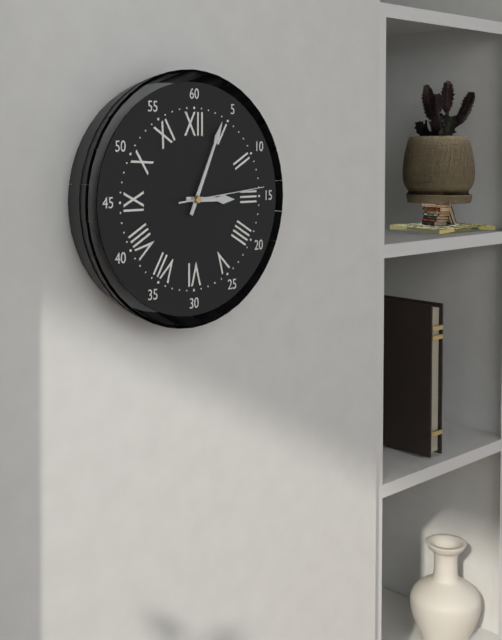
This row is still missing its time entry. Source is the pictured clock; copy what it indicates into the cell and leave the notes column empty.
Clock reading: 3:04:14
